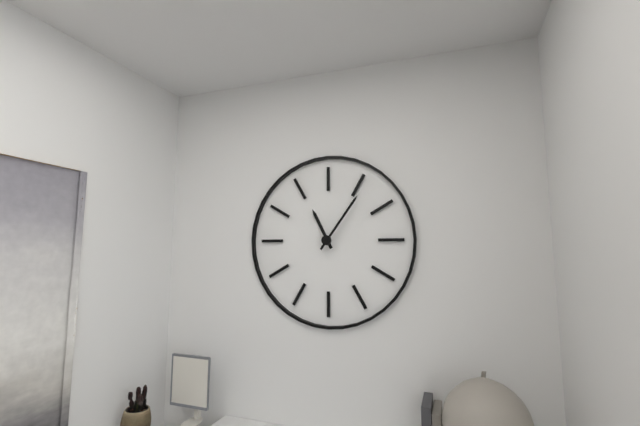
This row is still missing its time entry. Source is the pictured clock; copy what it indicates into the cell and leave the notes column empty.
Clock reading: 11:06
